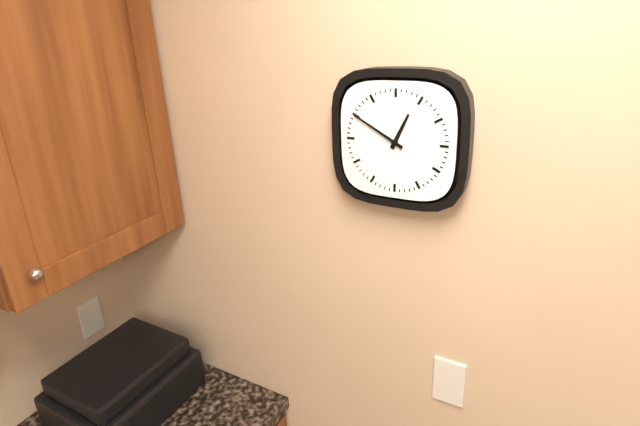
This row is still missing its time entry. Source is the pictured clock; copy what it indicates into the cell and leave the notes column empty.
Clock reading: 12:50
